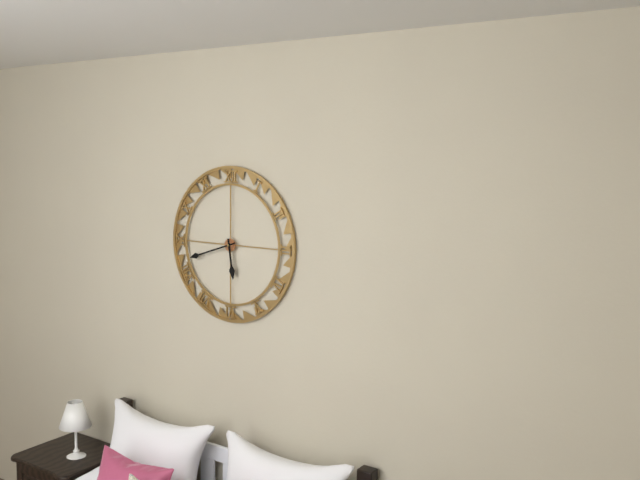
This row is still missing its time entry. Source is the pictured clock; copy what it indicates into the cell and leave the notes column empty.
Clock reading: 5:42
